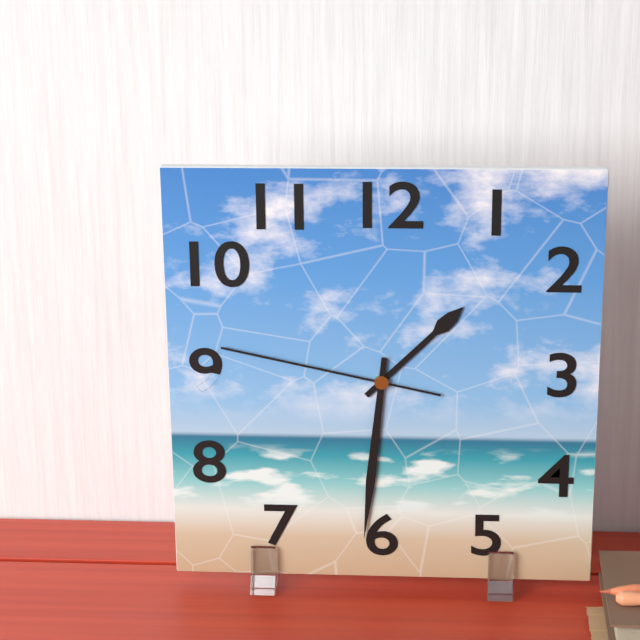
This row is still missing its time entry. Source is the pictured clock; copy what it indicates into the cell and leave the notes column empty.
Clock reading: 1:31:47
